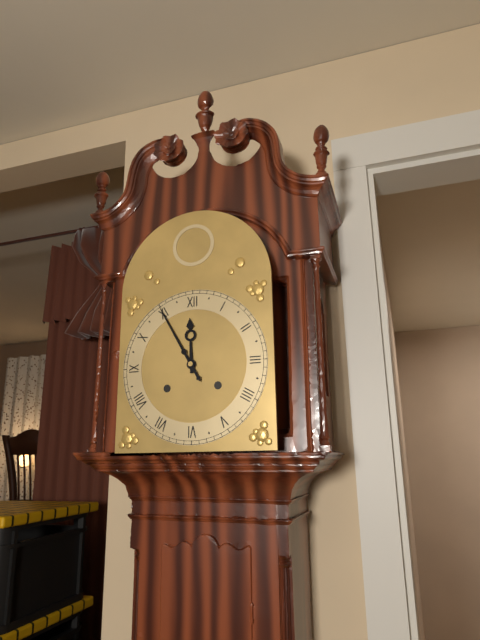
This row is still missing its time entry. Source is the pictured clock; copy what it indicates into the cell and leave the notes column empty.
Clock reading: 11:55
